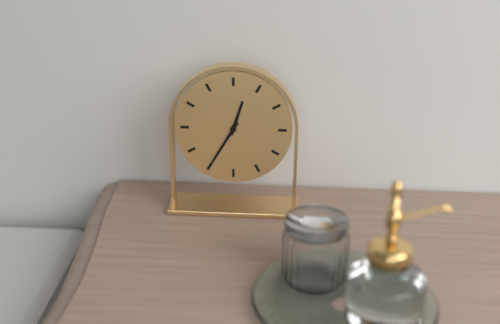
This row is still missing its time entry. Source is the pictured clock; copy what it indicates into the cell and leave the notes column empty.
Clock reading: 12:35
